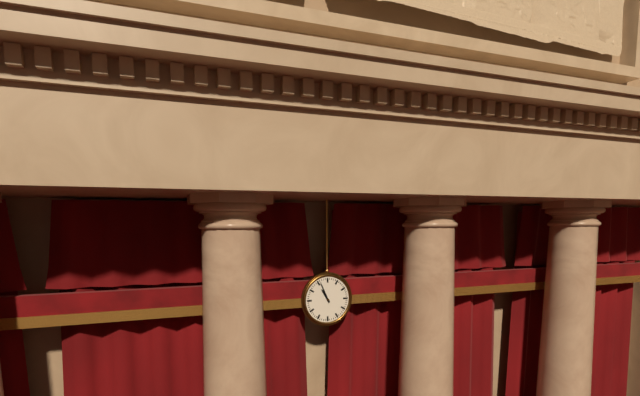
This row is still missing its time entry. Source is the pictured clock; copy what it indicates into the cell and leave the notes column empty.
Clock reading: 10:56
